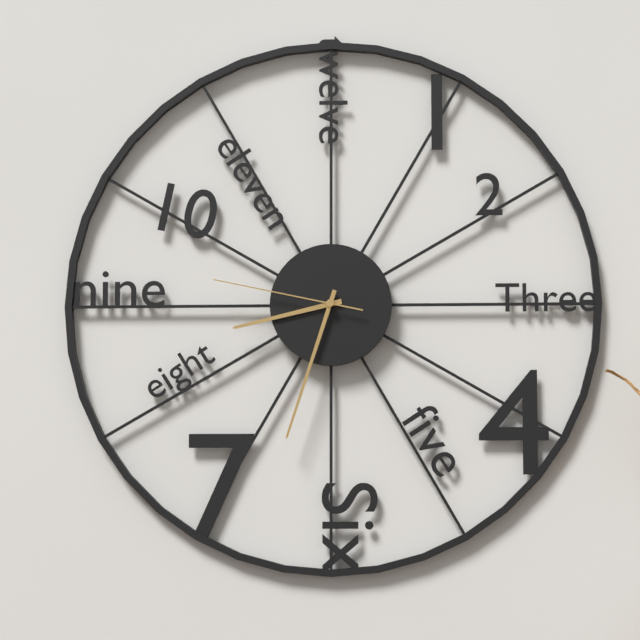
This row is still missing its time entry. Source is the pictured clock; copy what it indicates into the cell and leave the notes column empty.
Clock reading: 8:33:47
